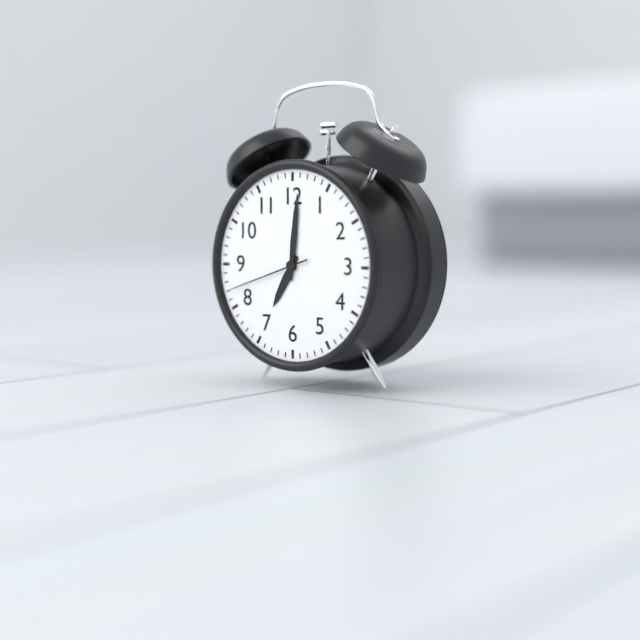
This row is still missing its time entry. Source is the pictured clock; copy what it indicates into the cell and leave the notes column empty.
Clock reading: 7:01:42
